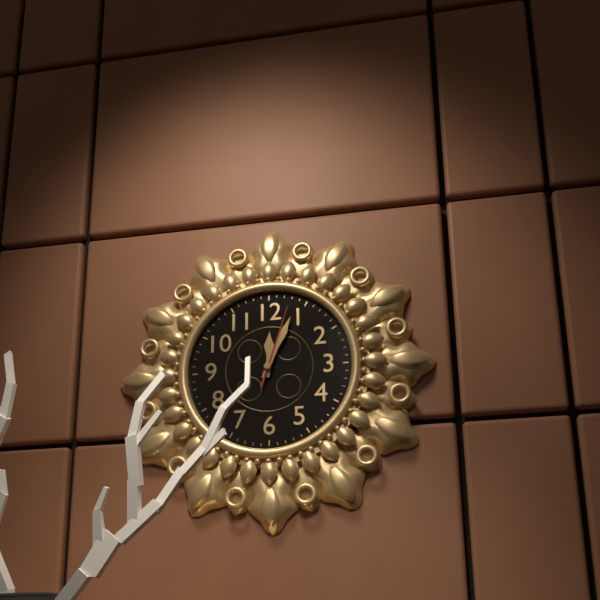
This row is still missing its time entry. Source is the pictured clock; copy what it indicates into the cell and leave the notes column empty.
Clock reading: 12:04:03
